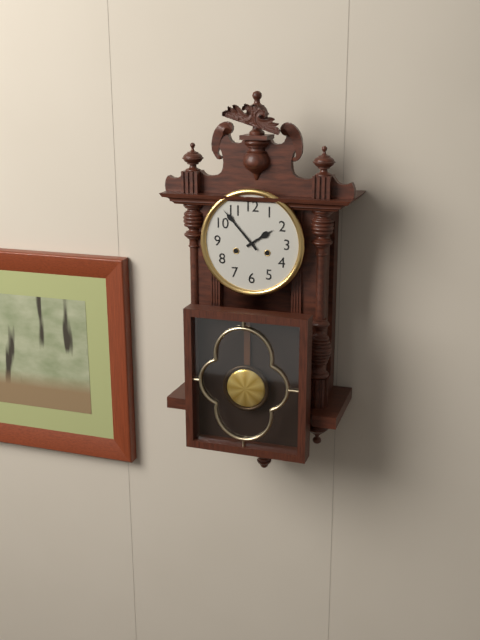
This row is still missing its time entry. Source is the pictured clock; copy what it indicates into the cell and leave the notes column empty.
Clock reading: 1:53
